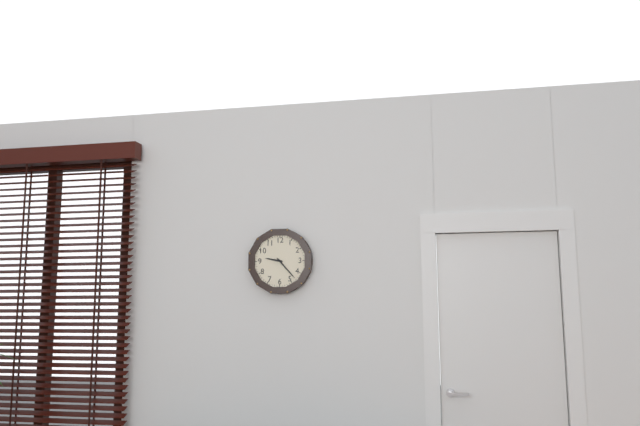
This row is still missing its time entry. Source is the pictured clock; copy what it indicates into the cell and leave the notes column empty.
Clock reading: 9:23
